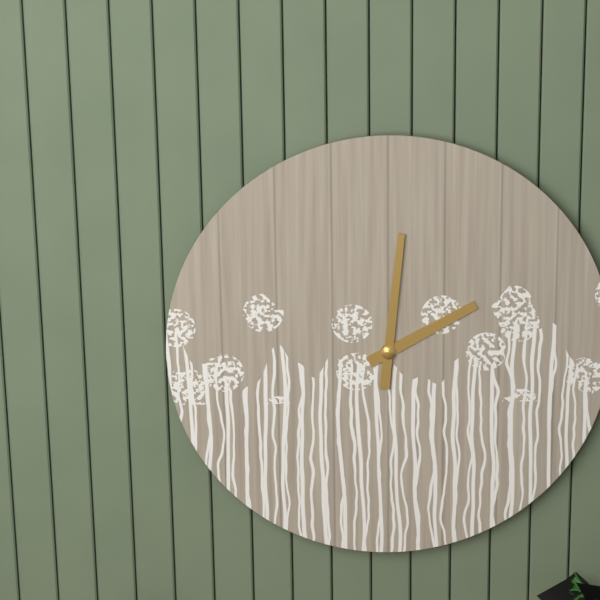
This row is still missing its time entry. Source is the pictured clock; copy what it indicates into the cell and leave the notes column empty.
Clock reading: 2:01
